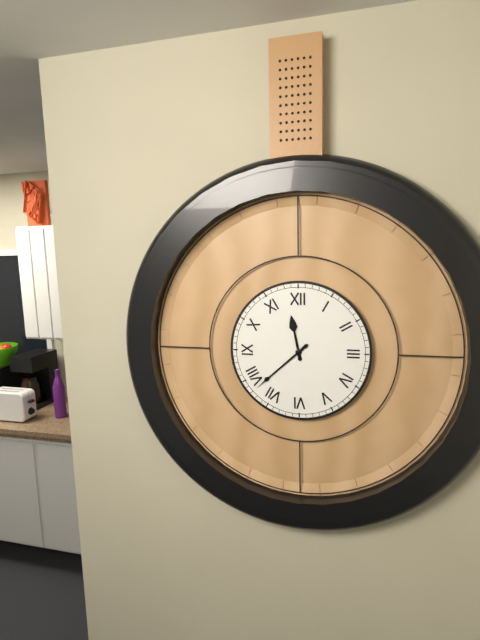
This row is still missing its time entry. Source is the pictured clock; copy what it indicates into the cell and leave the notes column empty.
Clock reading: 11:38
